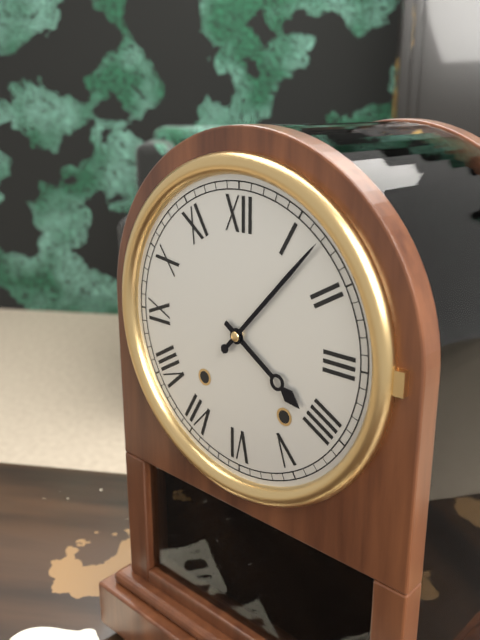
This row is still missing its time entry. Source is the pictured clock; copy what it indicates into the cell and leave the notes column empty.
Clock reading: 4:07
